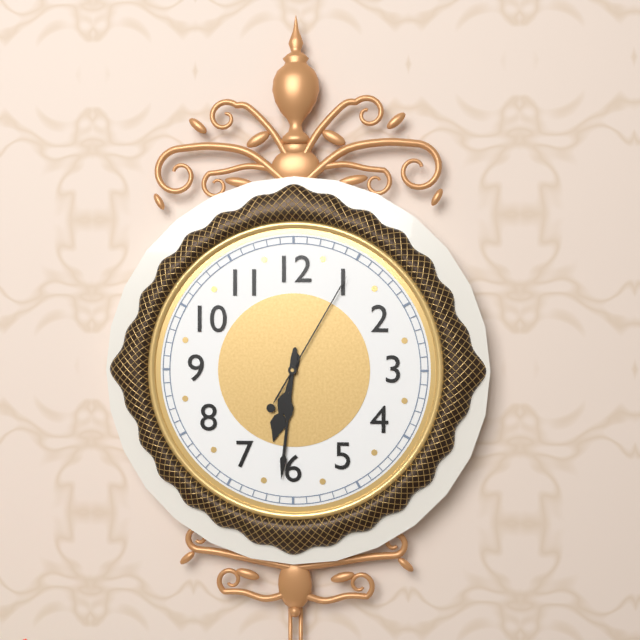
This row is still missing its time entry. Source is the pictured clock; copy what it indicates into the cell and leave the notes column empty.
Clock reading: 6:31:05
